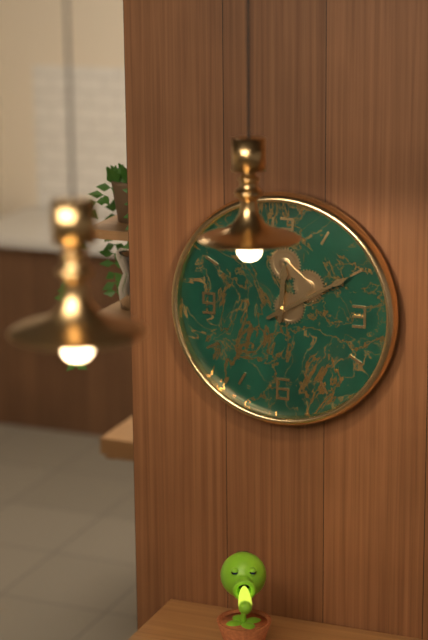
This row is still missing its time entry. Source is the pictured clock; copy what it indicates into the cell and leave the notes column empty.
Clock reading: 12:10
